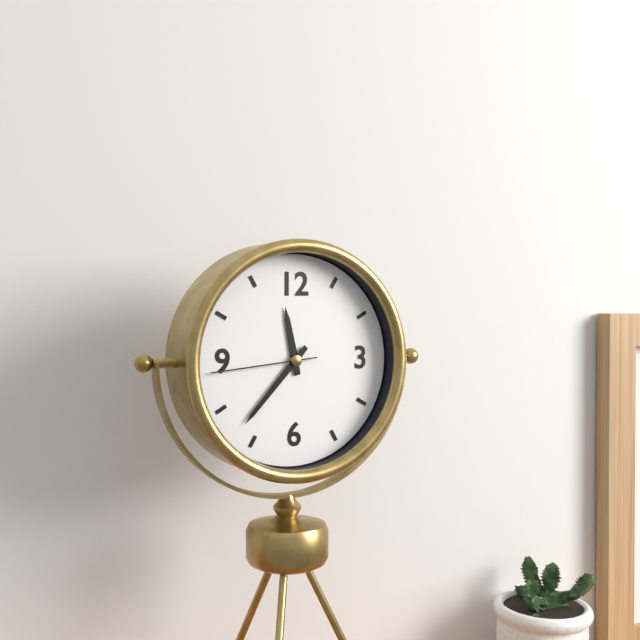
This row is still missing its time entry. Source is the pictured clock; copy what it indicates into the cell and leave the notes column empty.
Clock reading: 11:37:44
